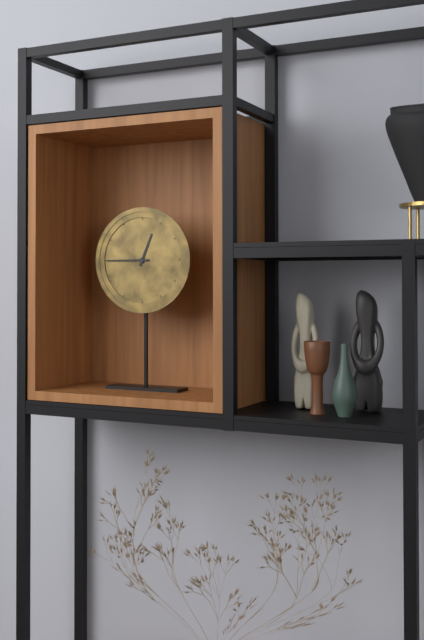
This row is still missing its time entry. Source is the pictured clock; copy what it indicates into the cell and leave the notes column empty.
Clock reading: 12:45
